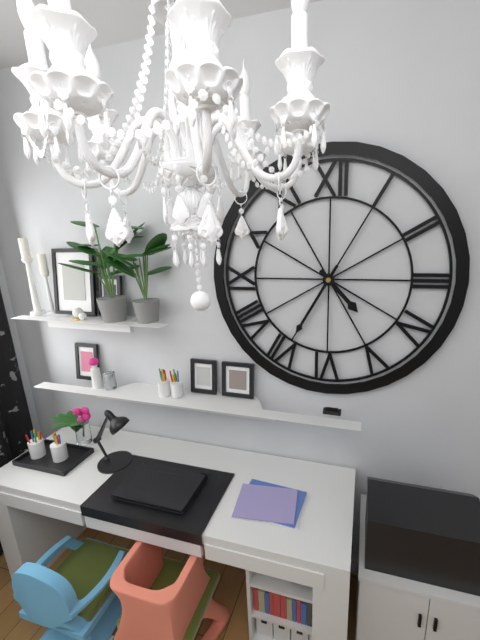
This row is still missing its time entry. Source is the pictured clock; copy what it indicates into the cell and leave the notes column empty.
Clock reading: 4:35
